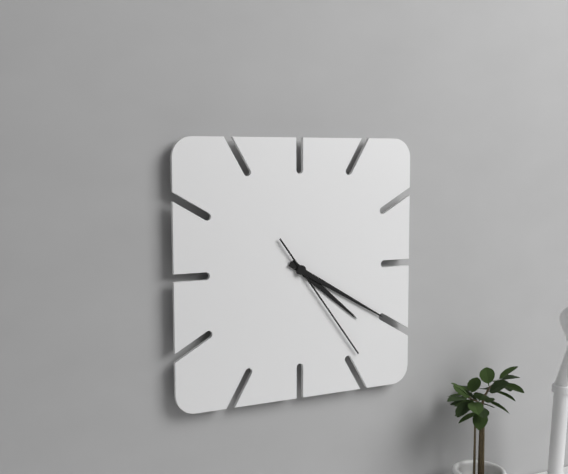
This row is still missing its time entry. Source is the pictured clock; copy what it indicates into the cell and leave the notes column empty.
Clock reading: 4:20:24
